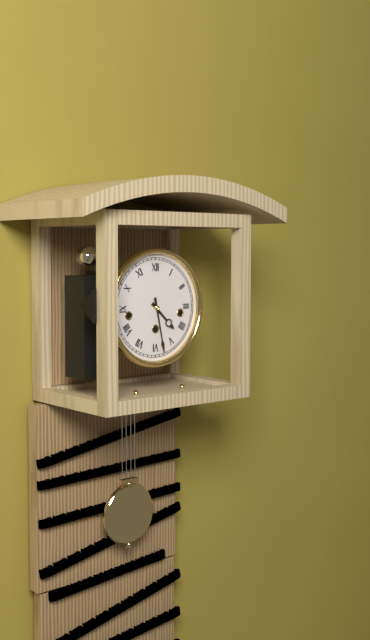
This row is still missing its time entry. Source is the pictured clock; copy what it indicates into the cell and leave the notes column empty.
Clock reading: 4:28
